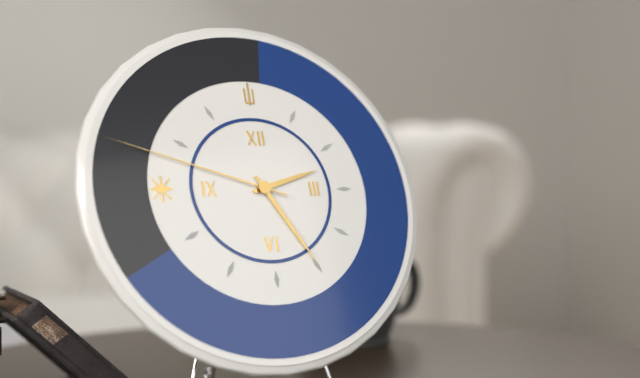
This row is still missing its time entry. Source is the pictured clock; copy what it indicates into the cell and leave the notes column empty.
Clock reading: 2:25:48
